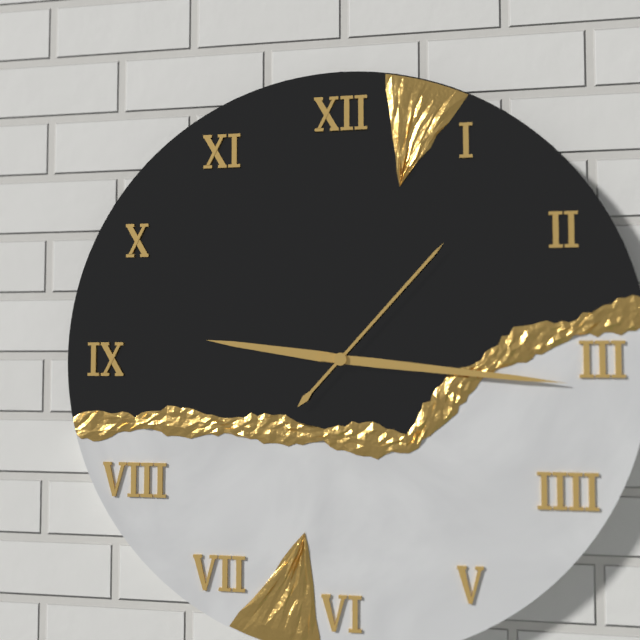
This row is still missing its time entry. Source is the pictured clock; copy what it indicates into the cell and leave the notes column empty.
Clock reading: 9:16:07
